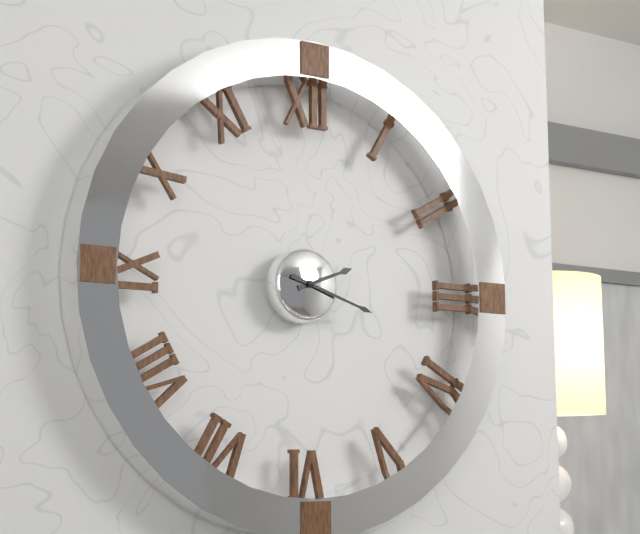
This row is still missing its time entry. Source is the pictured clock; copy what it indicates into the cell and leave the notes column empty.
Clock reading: 2:18
